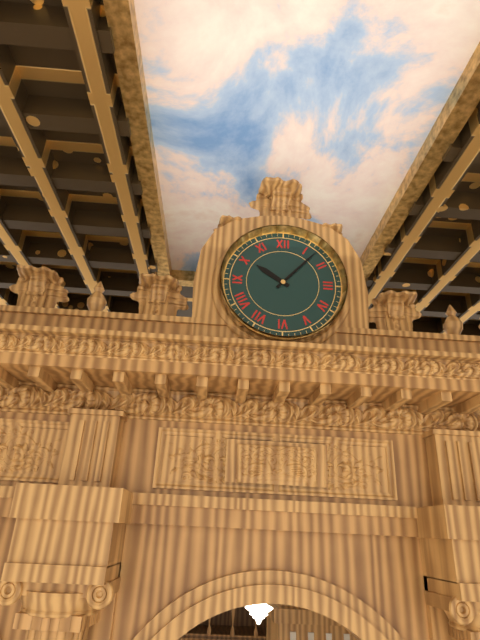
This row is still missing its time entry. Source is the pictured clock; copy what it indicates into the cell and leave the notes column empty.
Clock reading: 10:07
